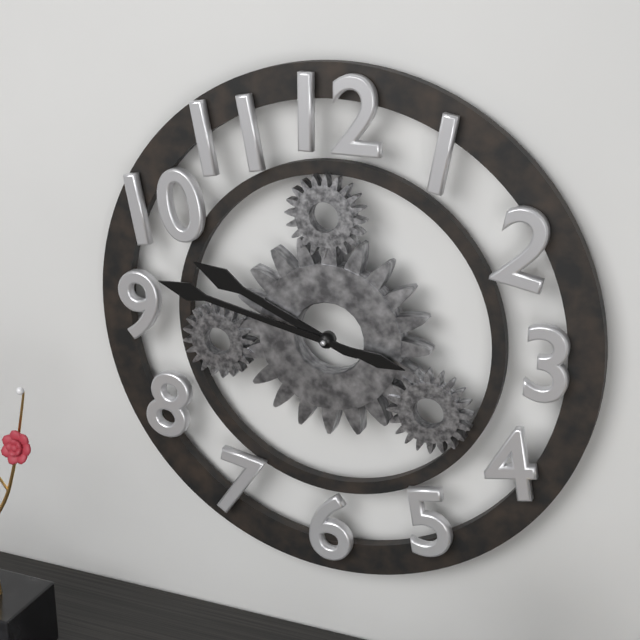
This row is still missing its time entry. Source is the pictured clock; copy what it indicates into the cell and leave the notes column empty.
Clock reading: 9:47
